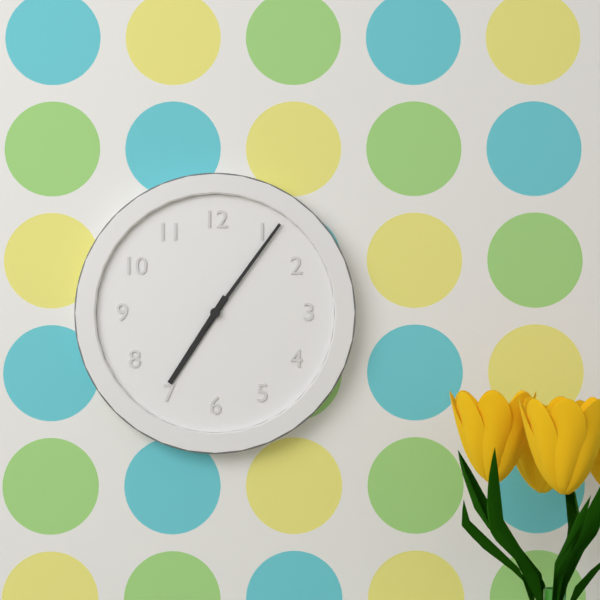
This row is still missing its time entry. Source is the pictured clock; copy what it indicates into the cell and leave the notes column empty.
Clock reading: 7:06
